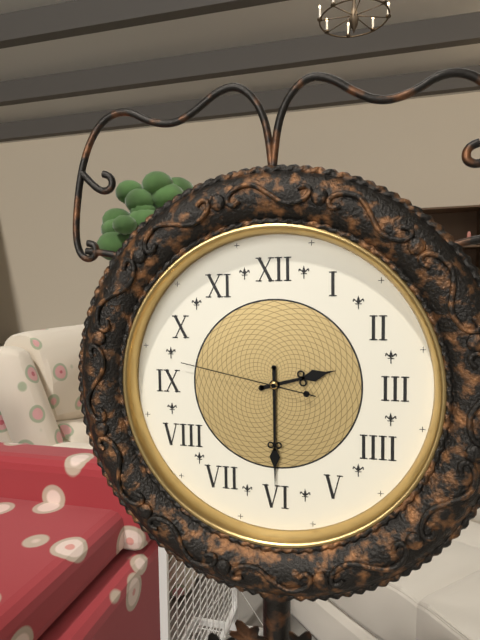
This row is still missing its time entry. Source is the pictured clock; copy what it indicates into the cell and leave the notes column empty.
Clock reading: 2:30:47
